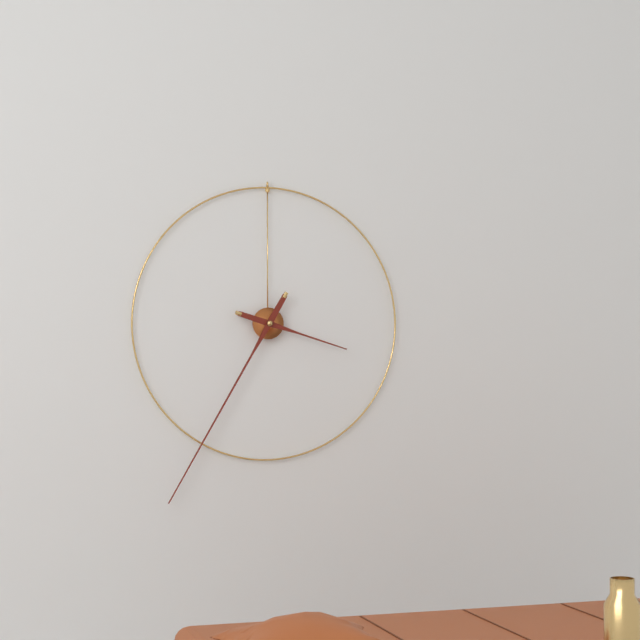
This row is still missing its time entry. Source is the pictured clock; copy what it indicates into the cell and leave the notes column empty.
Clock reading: 3:35
